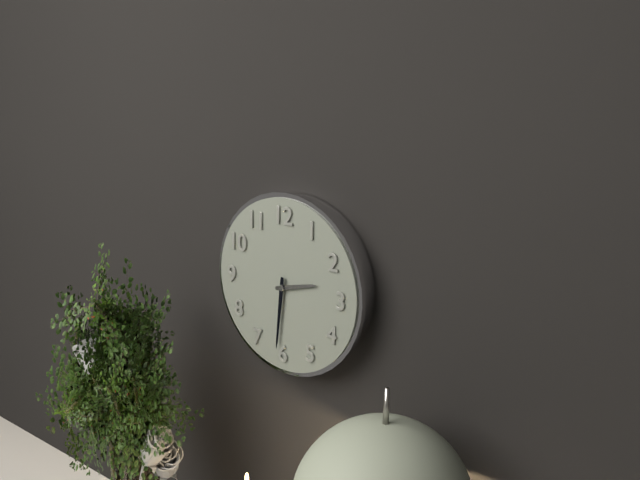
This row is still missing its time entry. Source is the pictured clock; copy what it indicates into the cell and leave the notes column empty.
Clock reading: 2:31
